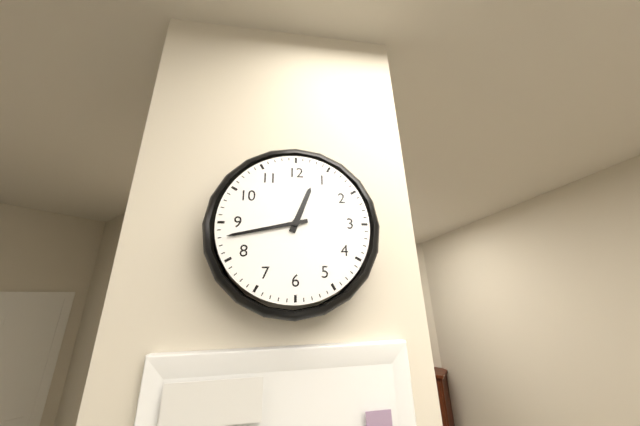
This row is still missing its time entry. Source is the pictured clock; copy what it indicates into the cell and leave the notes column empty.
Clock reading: 12:43
